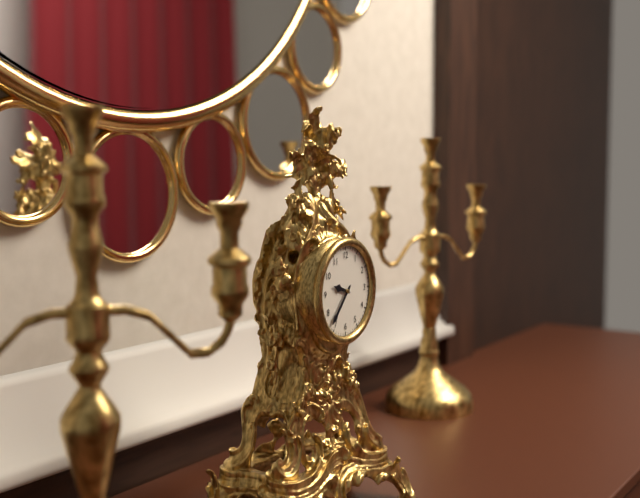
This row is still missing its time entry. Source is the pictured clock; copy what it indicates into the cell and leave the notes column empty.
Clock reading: 9:37
